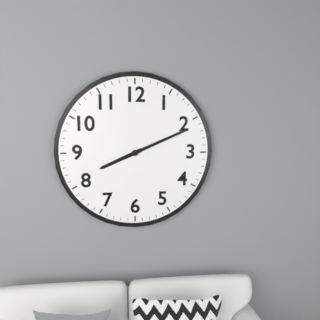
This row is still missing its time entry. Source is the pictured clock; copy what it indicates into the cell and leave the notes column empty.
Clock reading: 8:11
